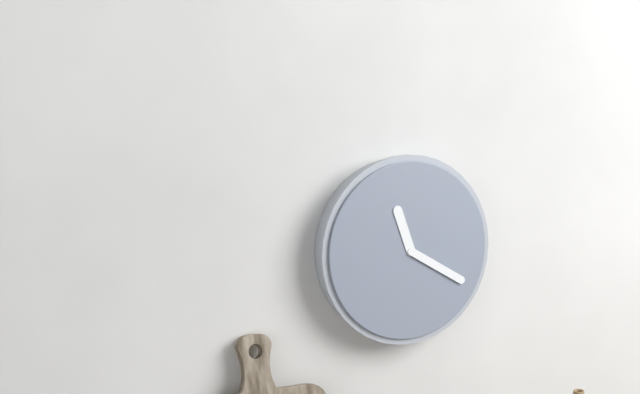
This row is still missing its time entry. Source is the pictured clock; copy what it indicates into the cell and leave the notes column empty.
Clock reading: 11:20
